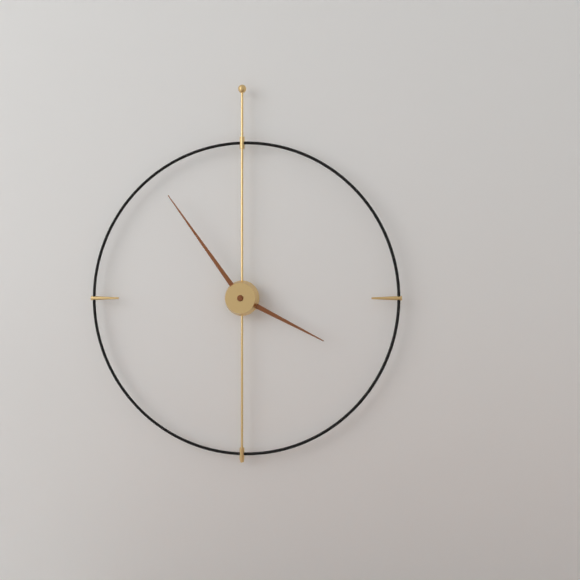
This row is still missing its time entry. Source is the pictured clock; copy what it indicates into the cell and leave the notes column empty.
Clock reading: 3:54
